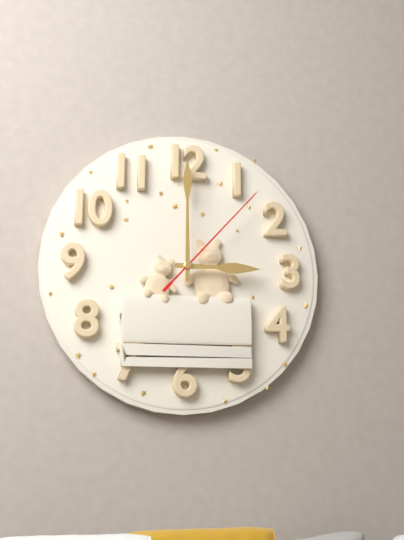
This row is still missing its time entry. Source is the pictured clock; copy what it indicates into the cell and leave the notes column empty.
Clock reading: 3:00:07
